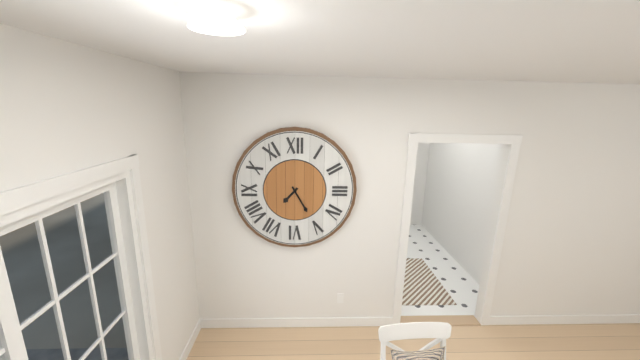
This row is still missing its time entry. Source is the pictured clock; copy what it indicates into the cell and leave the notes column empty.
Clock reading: 7:25
